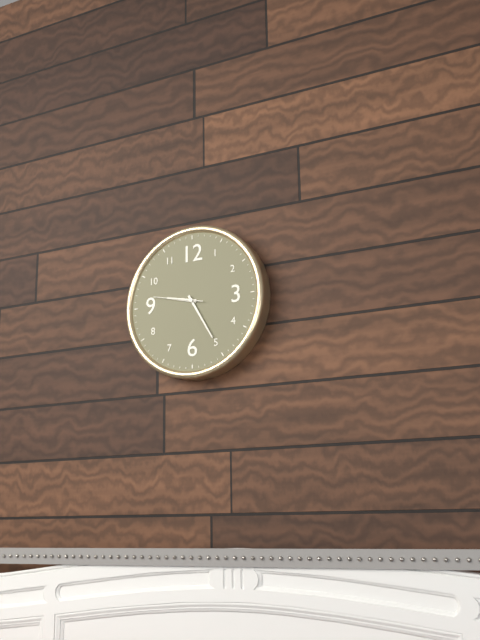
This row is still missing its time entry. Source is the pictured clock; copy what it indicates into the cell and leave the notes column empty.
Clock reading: 9:25
